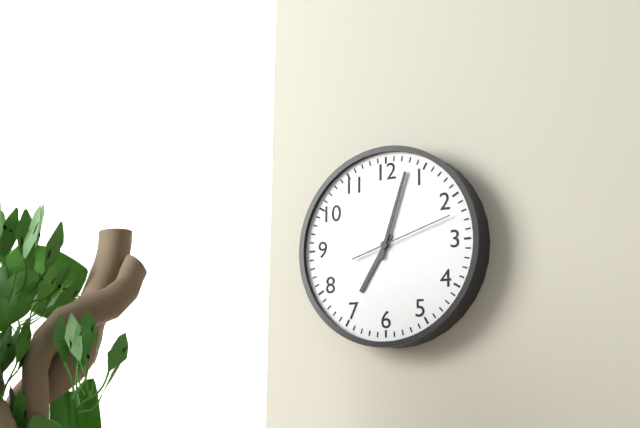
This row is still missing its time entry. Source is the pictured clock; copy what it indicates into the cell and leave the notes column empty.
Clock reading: 7:03:12
